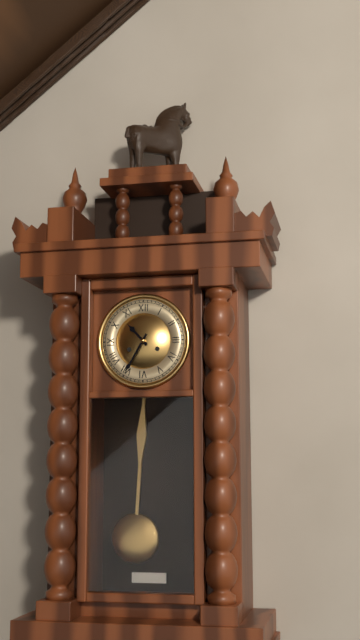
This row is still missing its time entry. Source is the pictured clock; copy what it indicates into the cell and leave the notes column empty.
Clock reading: 10:35
